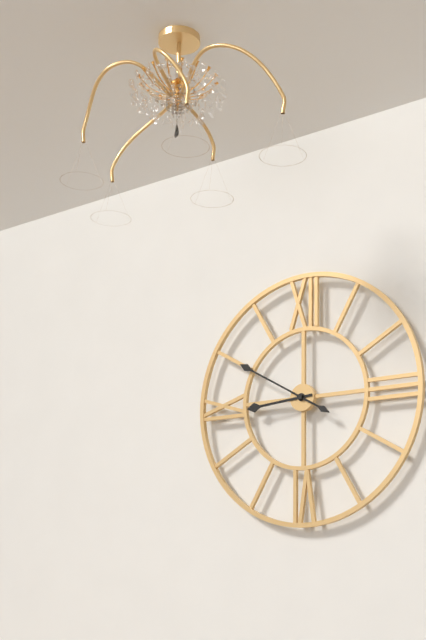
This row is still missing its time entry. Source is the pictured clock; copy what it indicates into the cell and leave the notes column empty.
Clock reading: 8:50
